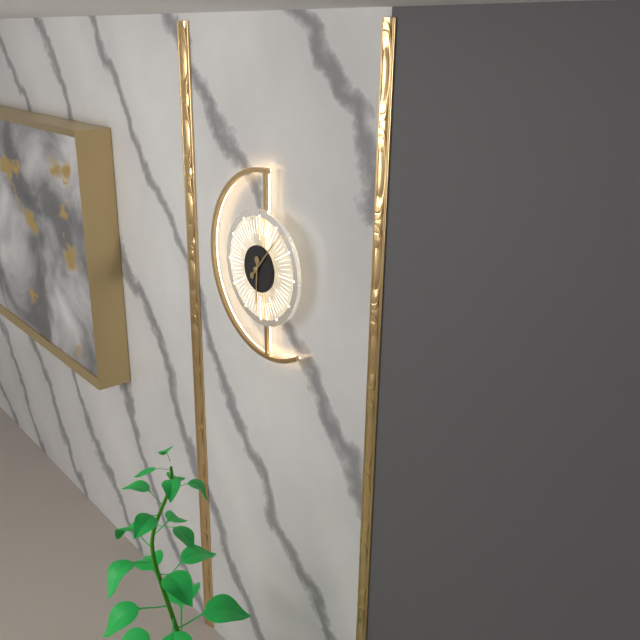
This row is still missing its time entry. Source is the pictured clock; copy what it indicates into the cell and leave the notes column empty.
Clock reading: 6:07
